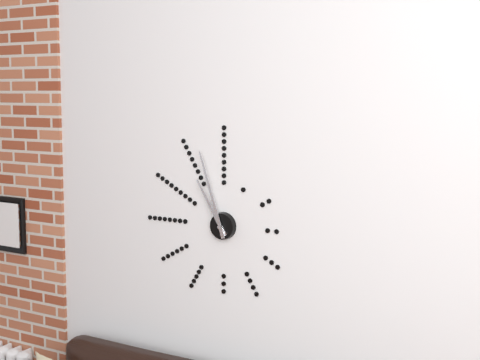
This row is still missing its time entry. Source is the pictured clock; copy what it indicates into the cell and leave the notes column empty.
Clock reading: 10:57
